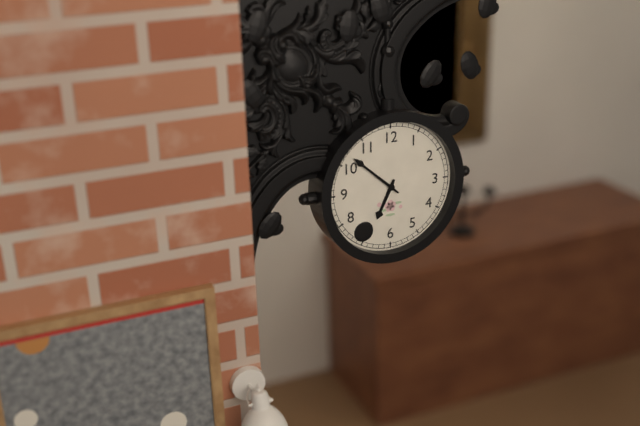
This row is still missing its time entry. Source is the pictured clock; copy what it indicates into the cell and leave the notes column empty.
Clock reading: 6:52
